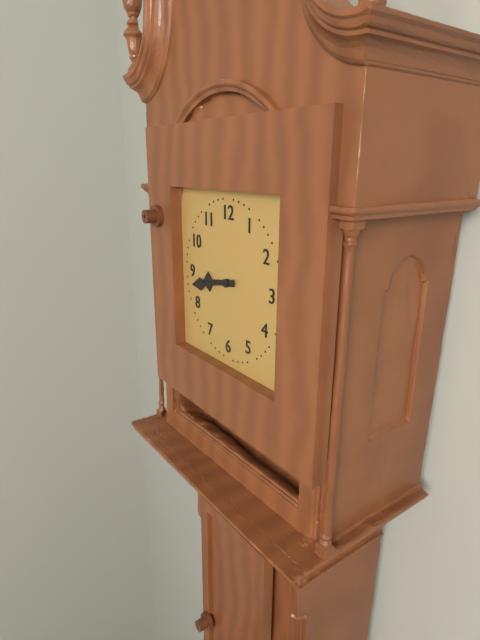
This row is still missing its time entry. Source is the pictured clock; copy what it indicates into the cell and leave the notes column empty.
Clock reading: 8:43
